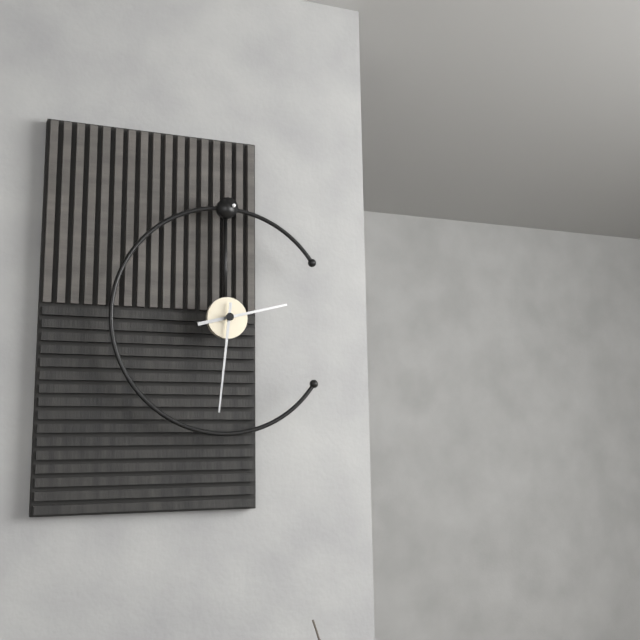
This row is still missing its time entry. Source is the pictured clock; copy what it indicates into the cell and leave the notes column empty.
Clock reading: 2:31
